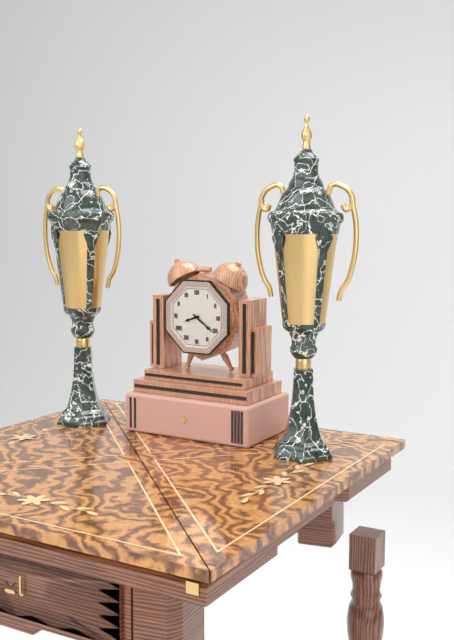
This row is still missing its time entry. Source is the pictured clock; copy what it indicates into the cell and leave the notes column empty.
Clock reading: 8:21
